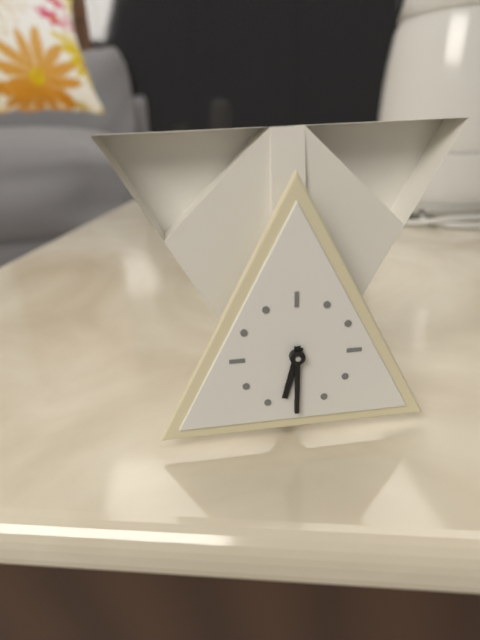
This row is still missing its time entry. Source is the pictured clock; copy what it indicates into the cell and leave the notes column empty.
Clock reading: 6:30
